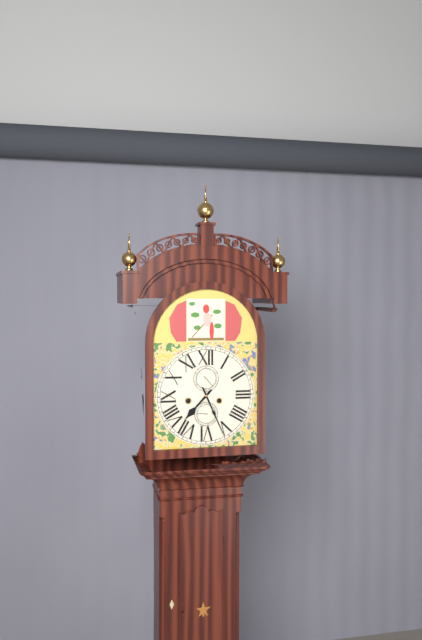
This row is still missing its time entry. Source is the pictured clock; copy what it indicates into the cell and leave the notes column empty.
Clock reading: 7:26
